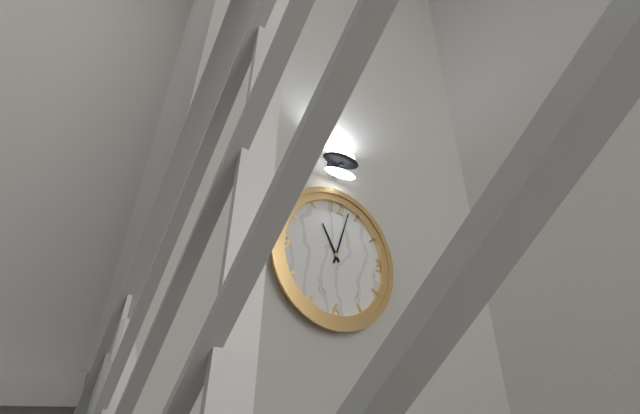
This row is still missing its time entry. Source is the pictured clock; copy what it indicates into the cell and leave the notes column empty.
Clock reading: 11:03
